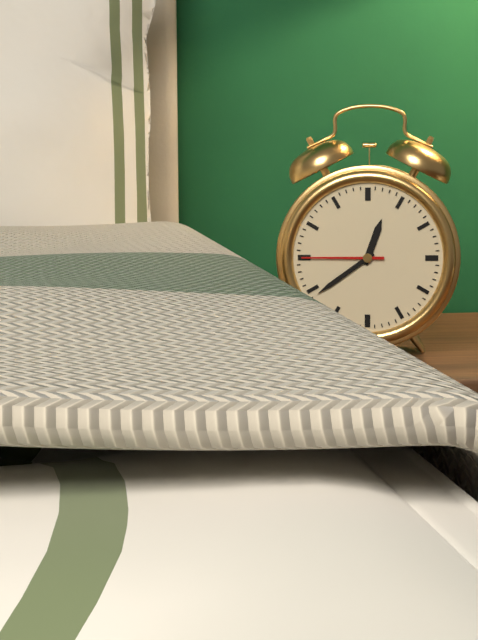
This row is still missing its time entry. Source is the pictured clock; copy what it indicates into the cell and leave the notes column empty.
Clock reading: 12:39:45
